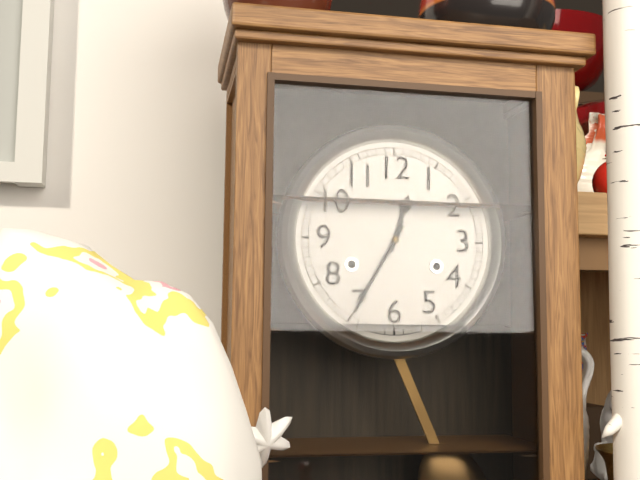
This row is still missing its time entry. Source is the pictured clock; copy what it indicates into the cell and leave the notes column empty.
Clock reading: 12:35
